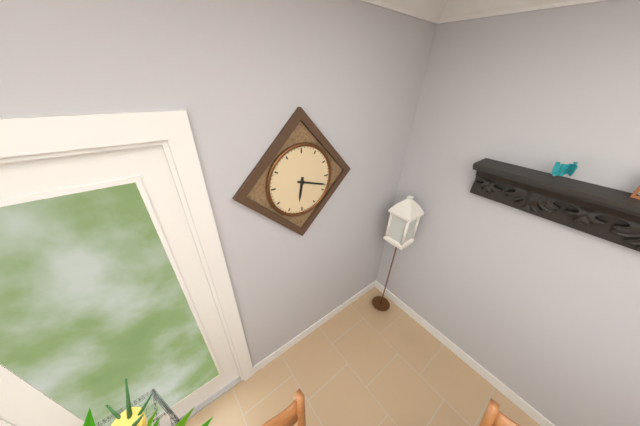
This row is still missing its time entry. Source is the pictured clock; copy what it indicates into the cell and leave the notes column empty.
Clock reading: 6:18
